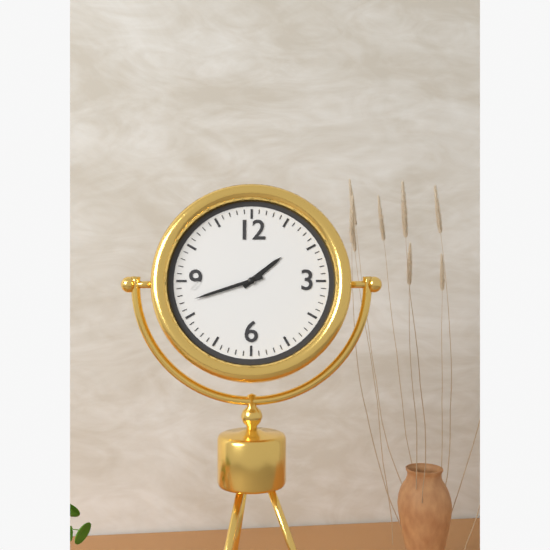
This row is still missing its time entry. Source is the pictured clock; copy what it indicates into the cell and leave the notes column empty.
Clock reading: 1:42
